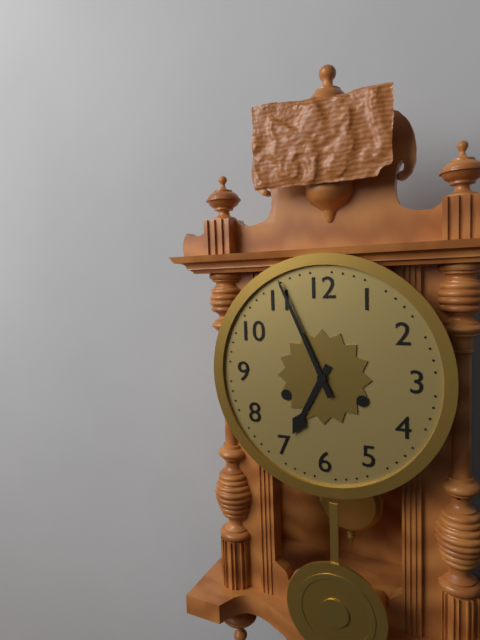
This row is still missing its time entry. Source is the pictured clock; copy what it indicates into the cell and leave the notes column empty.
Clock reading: 6:56
